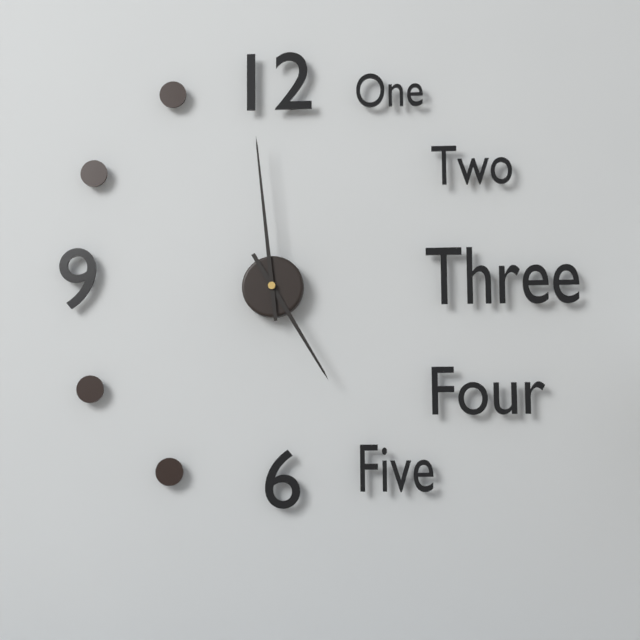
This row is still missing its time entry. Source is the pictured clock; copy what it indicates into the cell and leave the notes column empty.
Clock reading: 4:59
